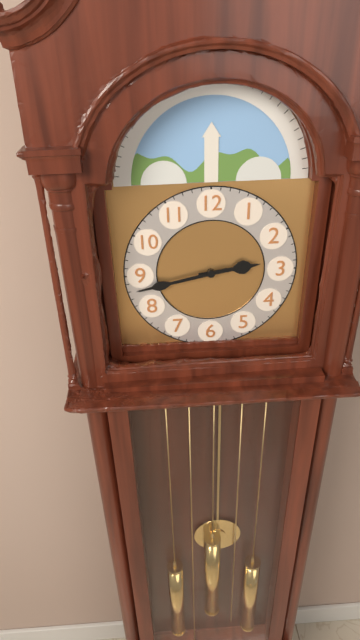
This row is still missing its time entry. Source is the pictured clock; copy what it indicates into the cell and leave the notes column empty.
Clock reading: 2:43
